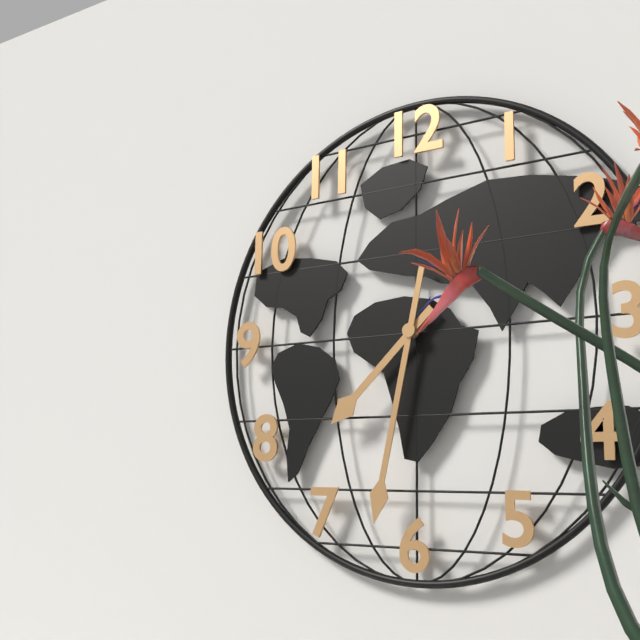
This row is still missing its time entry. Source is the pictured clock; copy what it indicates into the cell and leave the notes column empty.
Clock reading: 7:32
